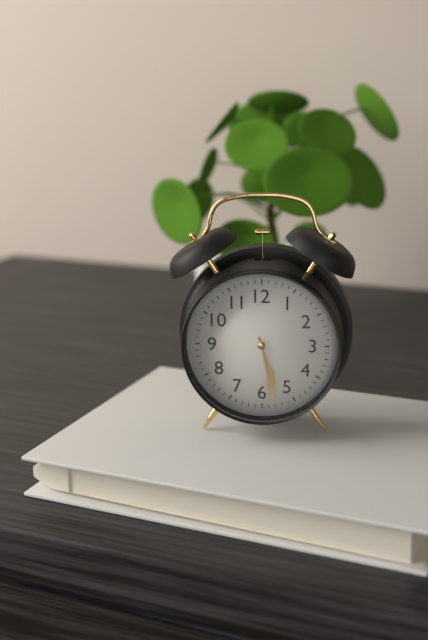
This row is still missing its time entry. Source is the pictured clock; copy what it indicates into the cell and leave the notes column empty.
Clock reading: 5:28
